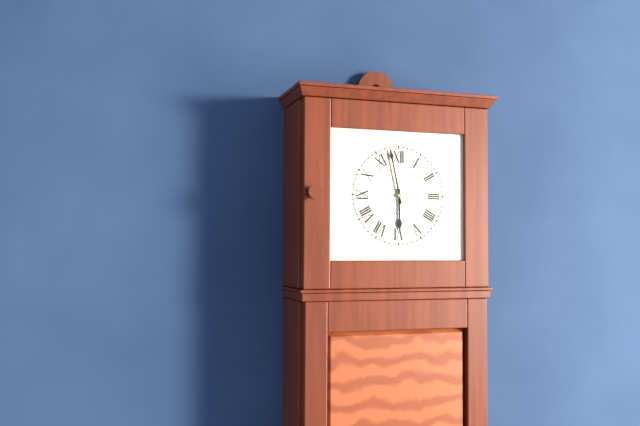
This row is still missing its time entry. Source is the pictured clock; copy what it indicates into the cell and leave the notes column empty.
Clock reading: 5:58
